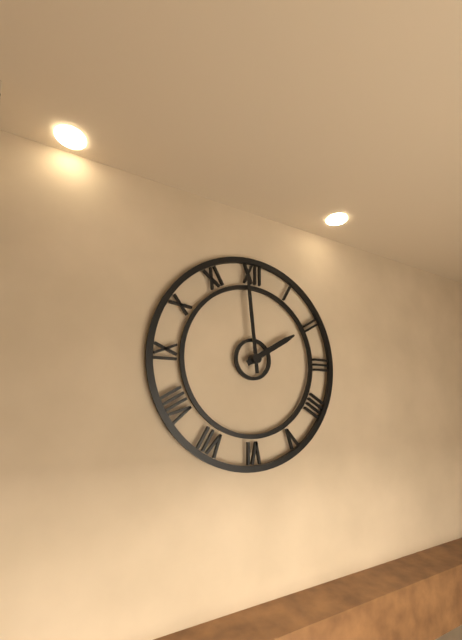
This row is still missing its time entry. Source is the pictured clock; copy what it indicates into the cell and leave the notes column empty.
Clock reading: 1:59
